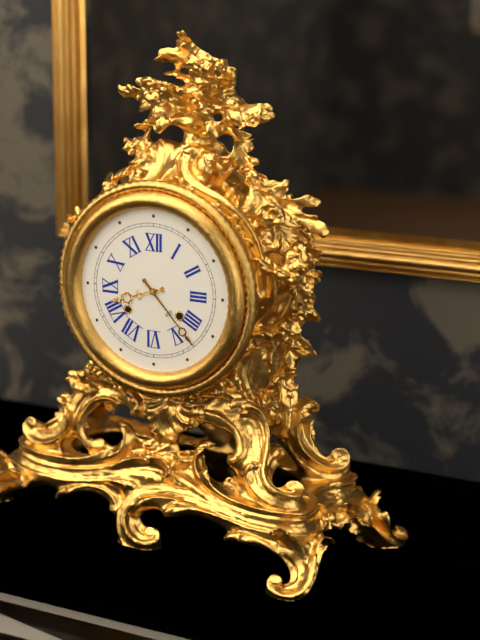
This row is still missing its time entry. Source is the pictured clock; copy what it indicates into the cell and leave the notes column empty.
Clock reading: 8:23
